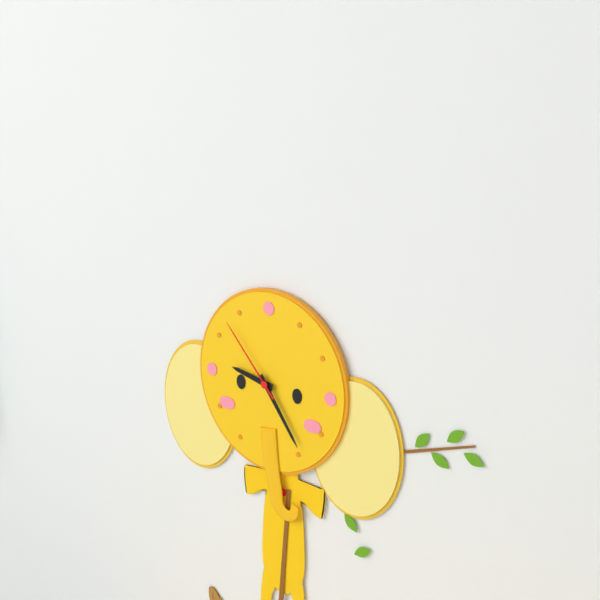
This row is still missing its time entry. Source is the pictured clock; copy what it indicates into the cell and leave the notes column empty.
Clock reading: 9:24:53
